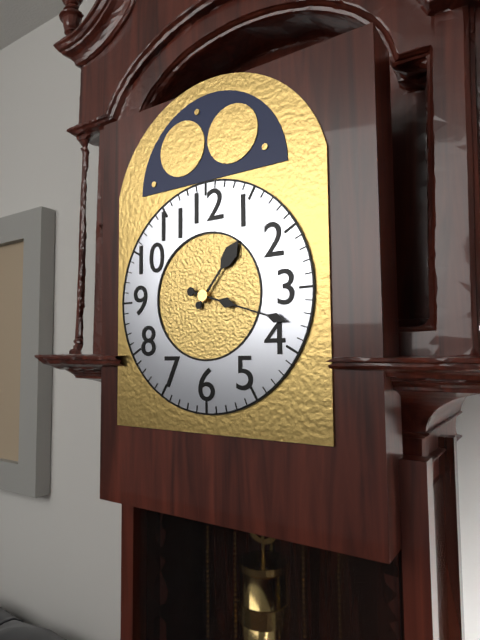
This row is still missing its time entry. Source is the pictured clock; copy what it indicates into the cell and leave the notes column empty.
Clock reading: 1:18
